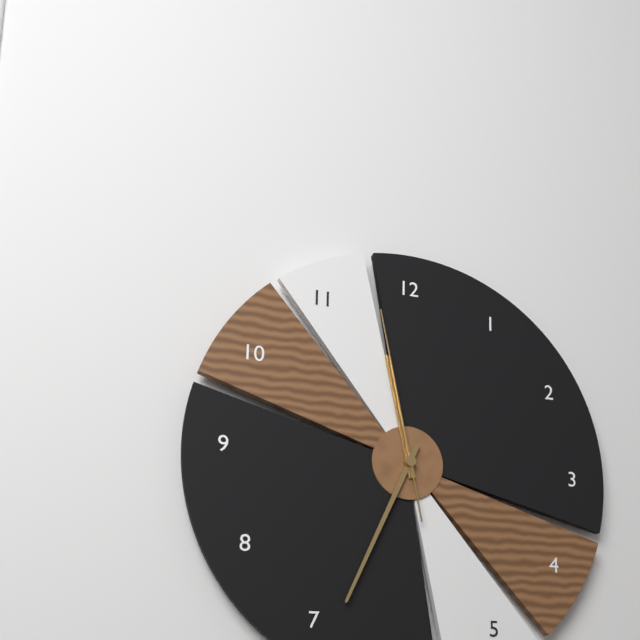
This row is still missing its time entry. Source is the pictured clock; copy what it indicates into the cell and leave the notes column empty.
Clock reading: 11:34:58
